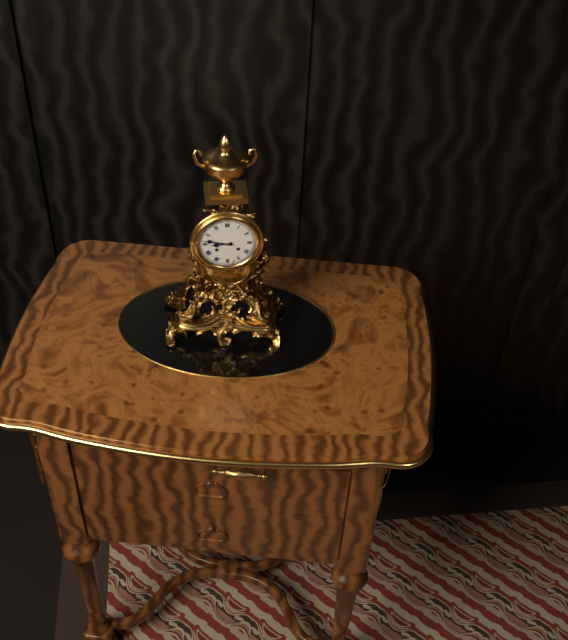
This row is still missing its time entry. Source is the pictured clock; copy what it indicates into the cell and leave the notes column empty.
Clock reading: 8:47
